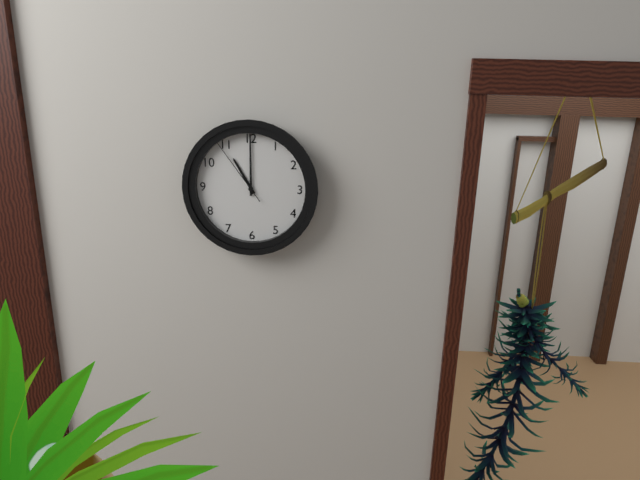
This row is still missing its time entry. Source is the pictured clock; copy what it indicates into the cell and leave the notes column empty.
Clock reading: 11:00:54
